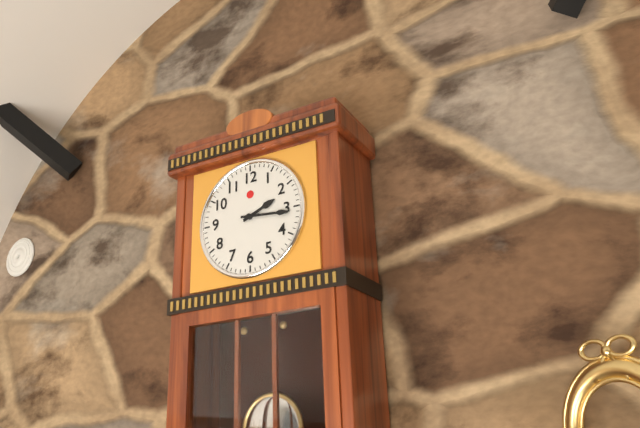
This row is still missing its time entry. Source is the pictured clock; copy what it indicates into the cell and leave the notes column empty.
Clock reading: 2:16
